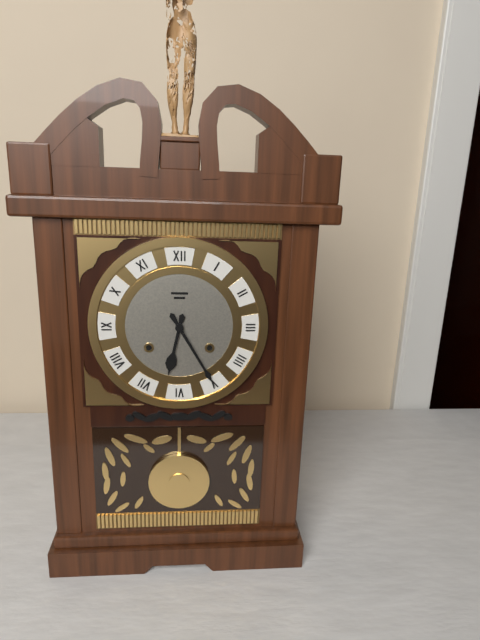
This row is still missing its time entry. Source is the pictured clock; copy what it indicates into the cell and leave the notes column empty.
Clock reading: 6:25
